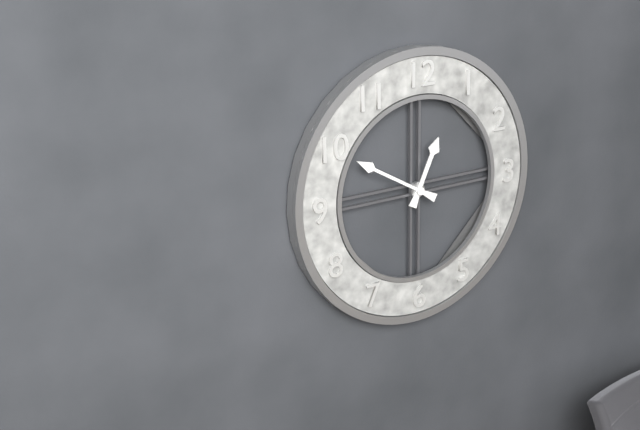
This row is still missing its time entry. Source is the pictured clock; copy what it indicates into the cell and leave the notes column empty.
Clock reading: 12:50
